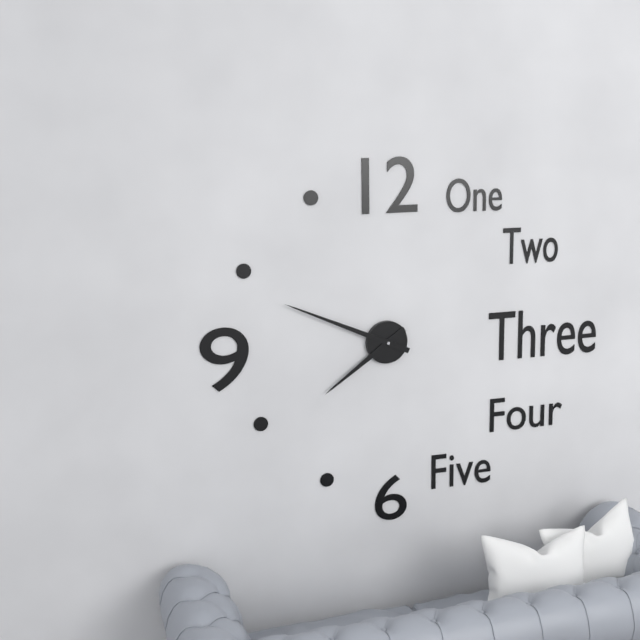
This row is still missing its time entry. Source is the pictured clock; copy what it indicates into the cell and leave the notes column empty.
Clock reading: 7:49
